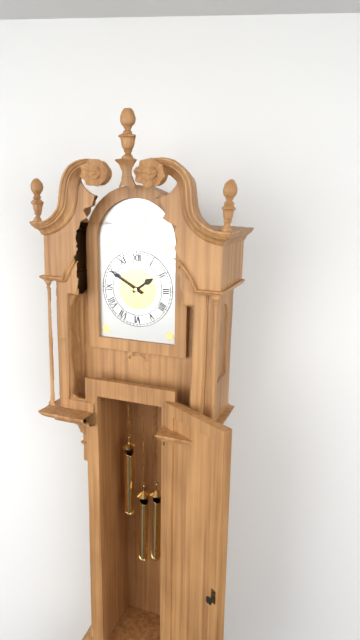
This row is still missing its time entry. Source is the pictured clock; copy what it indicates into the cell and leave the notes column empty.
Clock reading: 1:50
